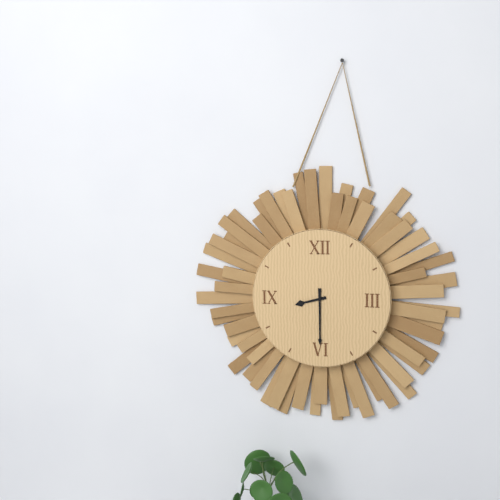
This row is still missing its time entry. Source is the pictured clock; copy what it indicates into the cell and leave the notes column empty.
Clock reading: 8:30
